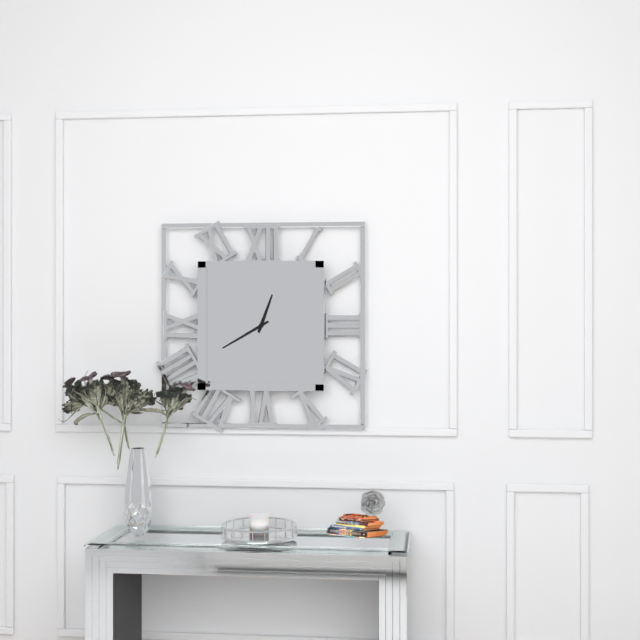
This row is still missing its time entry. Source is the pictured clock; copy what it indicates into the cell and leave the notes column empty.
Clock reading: 12:40
